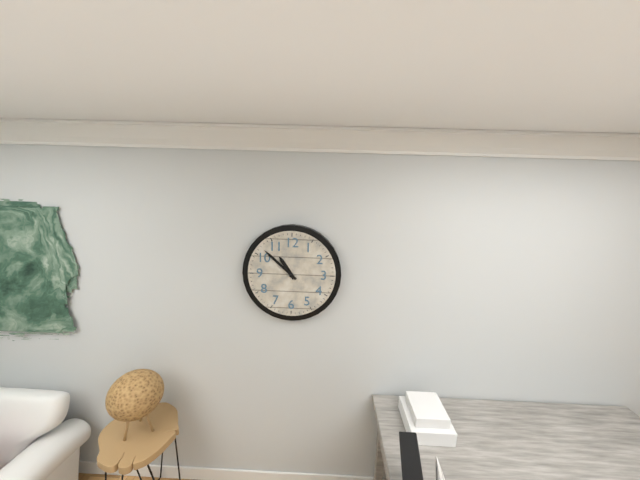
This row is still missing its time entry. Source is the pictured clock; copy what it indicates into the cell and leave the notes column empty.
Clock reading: 10:52
